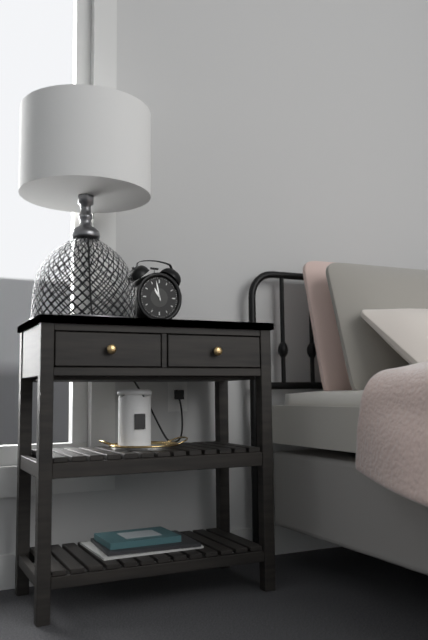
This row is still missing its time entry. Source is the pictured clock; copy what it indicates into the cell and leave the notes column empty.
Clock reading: 10:58
